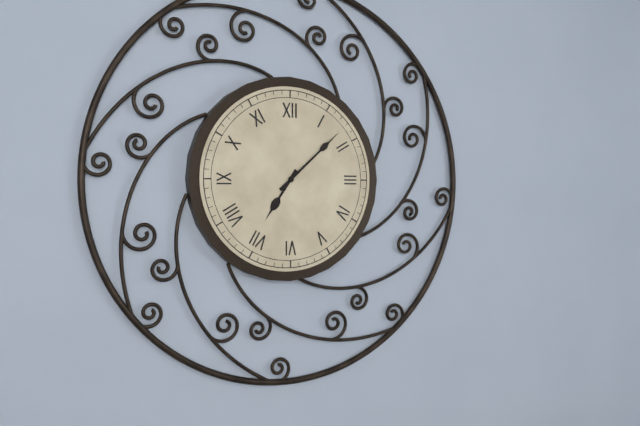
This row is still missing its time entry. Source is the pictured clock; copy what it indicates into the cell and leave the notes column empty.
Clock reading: 7:08
